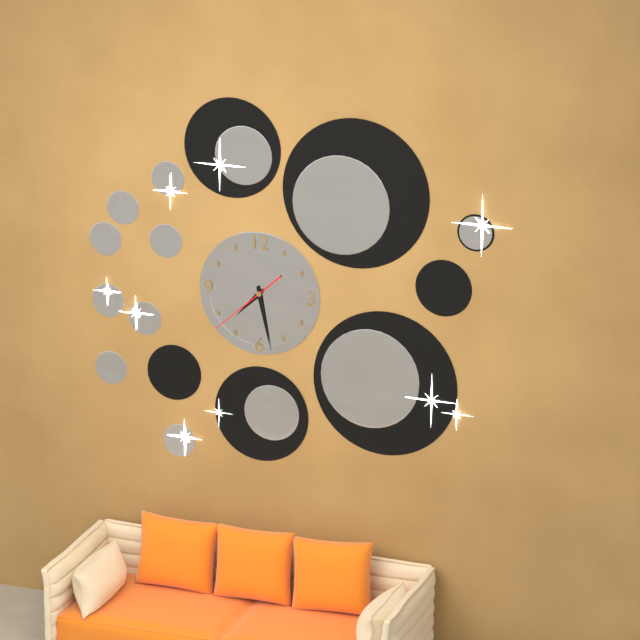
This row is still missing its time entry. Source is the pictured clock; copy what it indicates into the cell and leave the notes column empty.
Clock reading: 7:28:38
